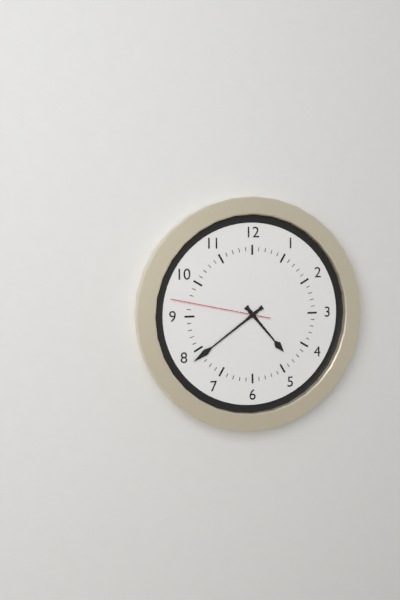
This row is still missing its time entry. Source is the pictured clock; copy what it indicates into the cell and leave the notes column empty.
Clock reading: 4:39:47
